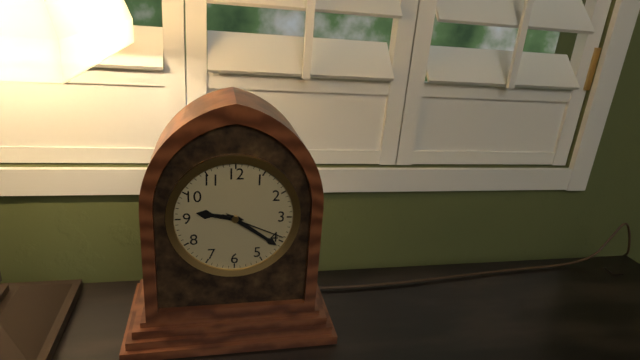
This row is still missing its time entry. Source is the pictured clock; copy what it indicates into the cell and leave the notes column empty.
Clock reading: 9:21:19
